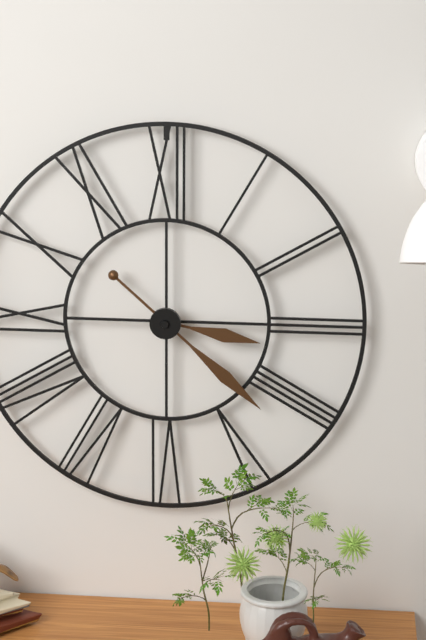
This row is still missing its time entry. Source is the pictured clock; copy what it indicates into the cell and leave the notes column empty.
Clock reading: 3:22
